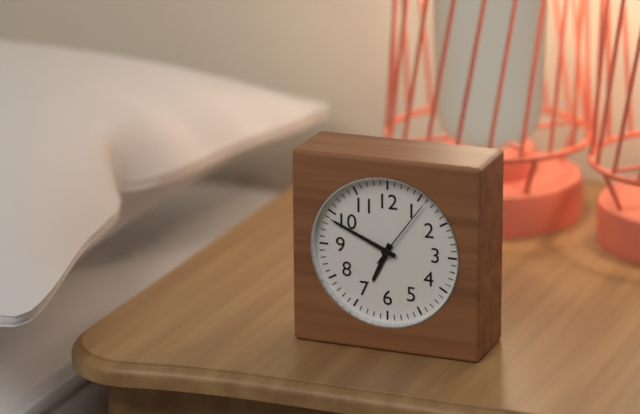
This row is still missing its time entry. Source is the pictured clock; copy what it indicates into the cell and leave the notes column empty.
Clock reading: 6:49:06
